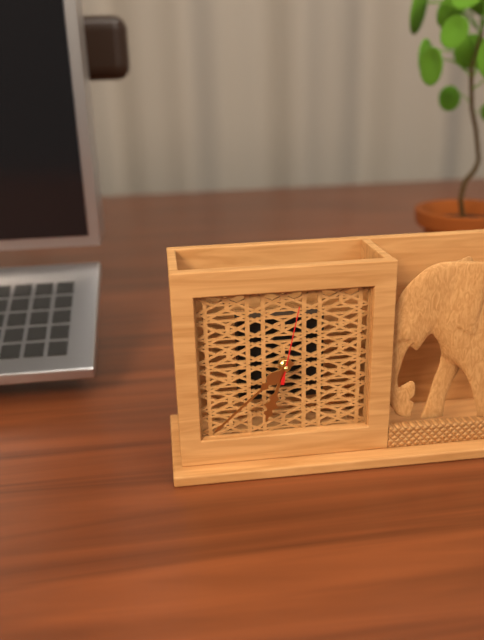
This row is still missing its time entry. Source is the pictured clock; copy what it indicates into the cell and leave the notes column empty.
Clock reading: 6:38:02
